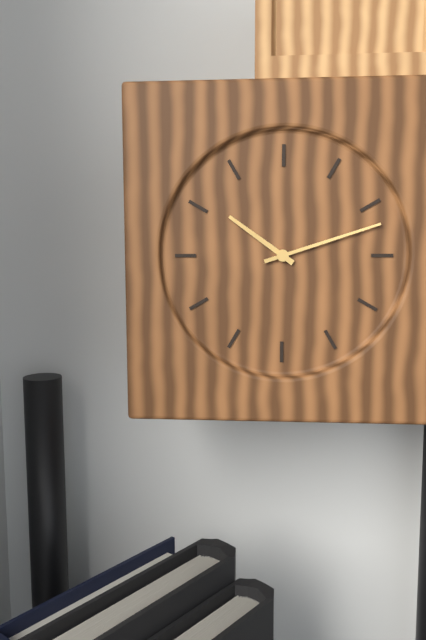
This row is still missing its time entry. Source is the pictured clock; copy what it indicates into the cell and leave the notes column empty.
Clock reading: 10:12
